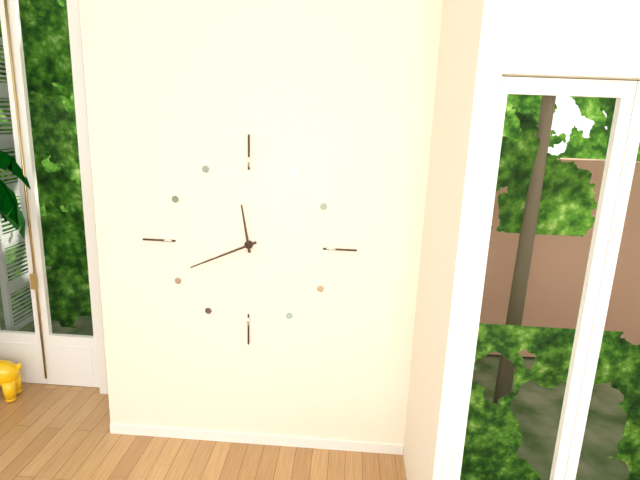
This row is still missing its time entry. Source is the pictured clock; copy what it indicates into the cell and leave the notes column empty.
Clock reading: 11:41
